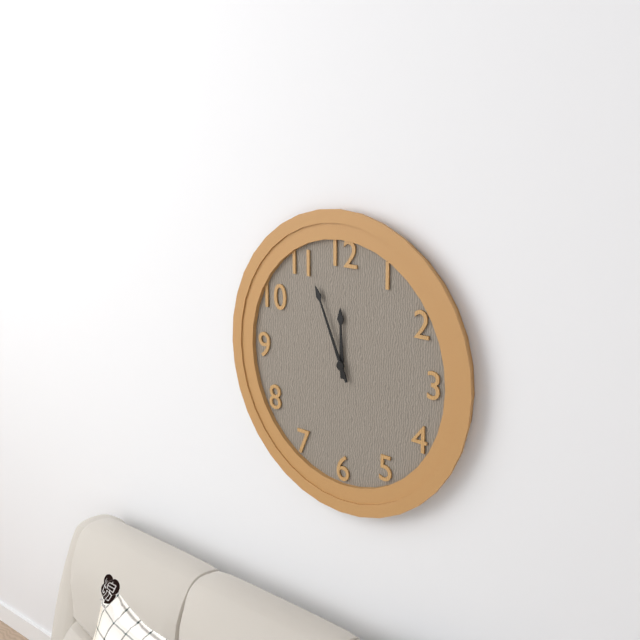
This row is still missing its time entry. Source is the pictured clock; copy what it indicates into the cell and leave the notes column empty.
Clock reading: 11:56
